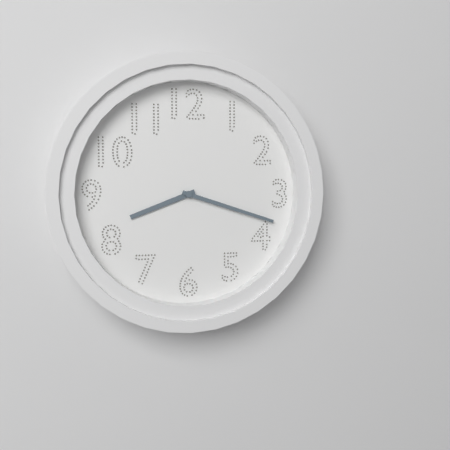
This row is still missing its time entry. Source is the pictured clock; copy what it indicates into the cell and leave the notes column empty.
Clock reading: 8:18
